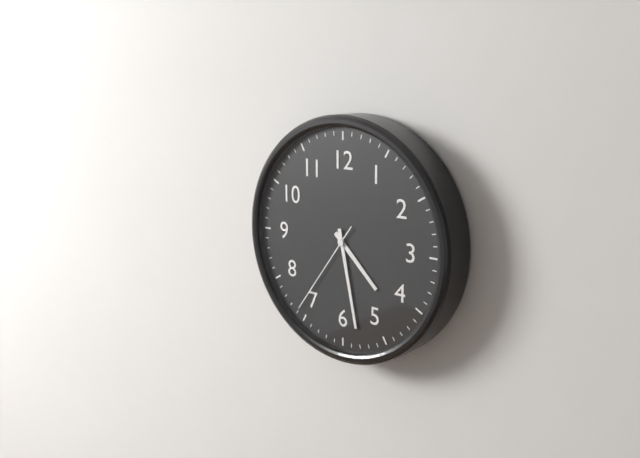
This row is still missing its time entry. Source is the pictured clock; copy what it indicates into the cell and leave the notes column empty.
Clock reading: 4:28:36
